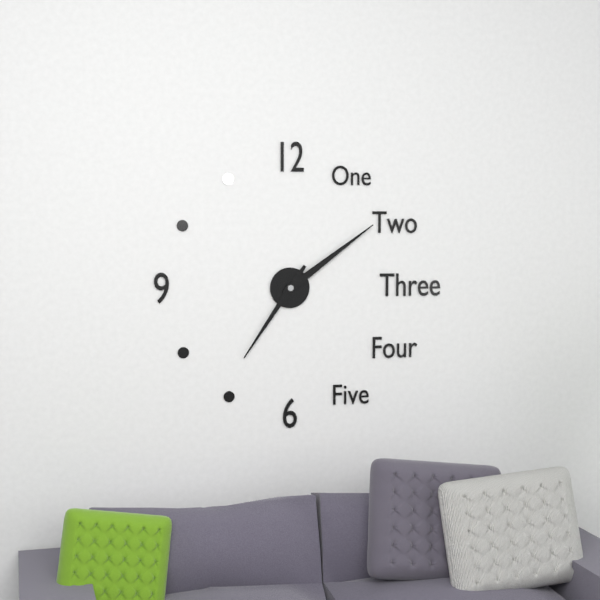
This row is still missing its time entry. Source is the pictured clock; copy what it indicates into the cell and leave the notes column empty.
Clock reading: 7:09
